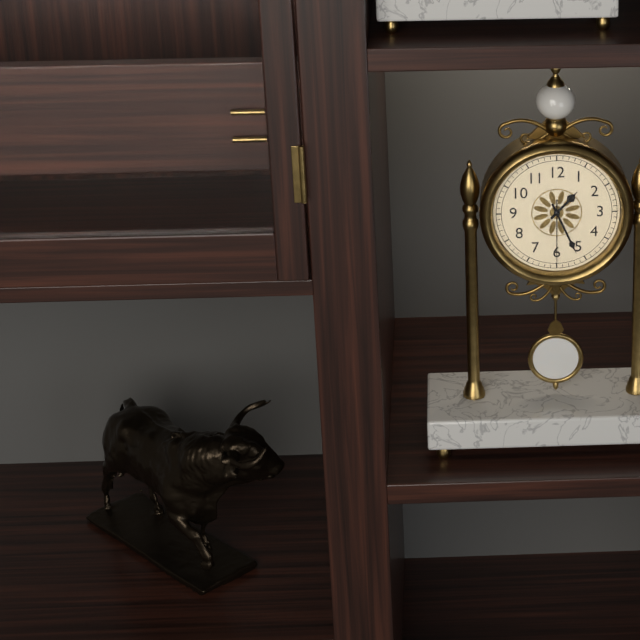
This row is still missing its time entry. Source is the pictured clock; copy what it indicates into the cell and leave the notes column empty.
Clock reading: 1:26:30
